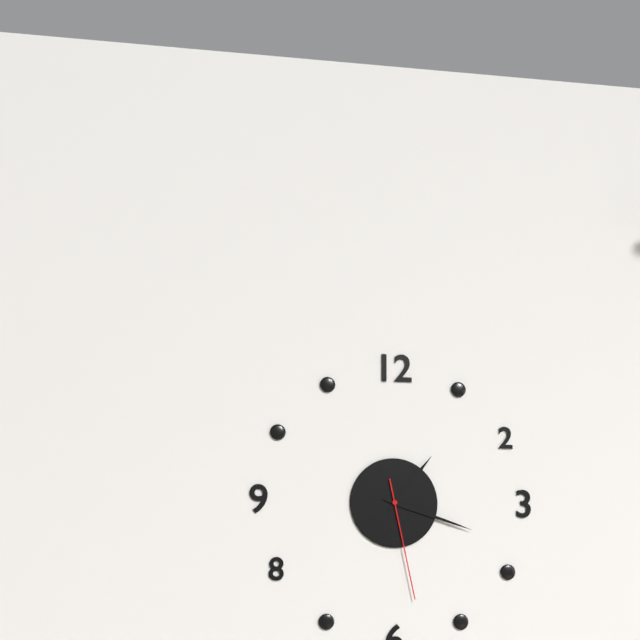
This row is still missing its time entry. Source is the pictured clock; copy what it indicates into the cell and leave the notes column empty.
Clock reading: 1:18:28
